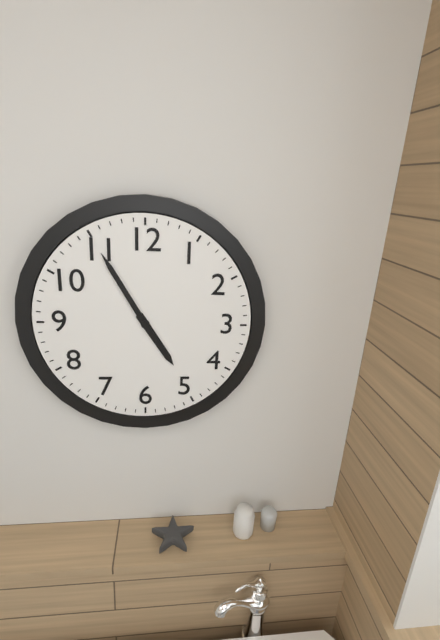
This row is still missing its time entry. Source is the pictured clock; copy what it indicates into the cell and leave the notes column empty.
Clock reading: 4:55
